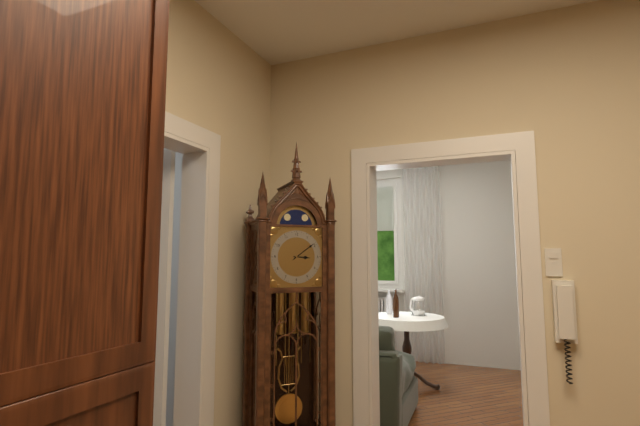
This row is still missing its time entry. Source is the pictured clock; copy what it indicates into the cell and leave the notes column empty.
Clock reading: 3:09
